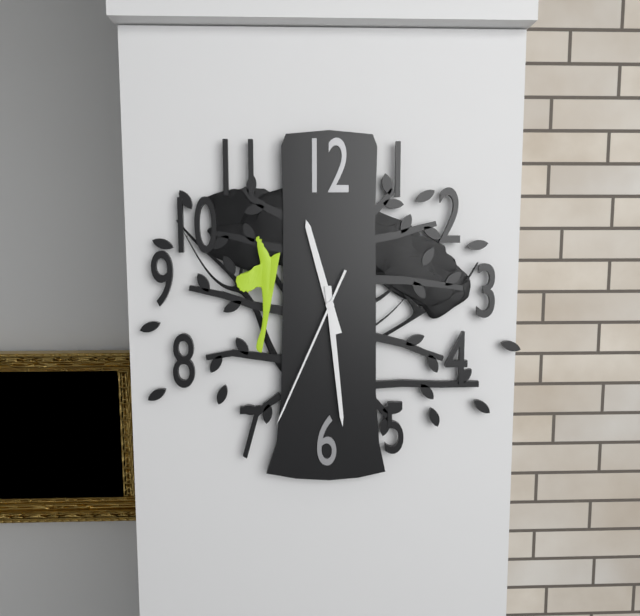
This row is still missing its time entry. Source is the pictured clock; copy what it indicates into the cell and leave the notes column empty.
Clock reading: 11:29:34
